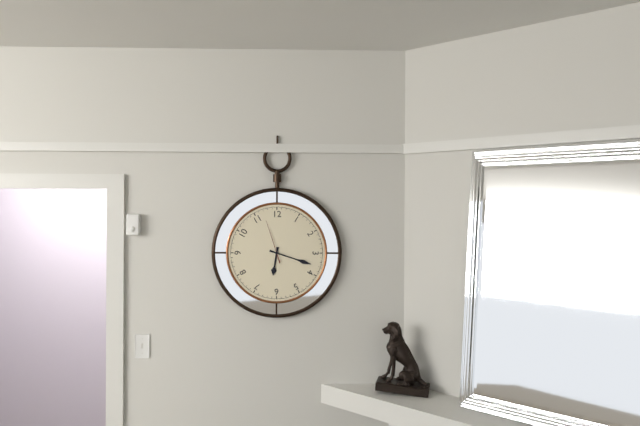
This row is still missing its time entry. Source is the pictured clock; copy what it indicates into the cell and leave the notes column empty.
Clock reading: 6:18
